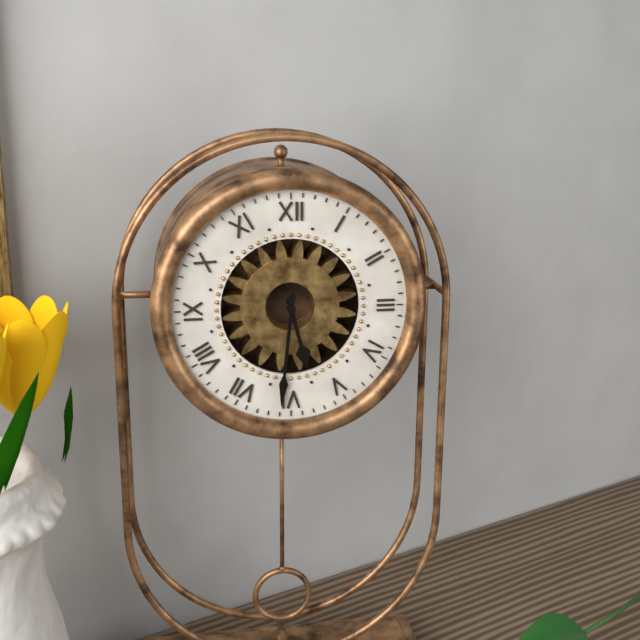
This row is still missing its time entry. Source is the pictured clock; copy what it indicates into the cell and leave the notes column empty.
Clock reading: 5:31
